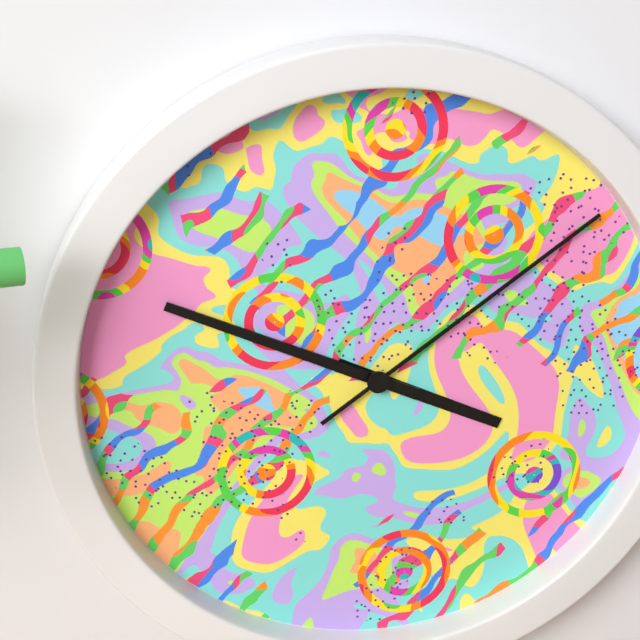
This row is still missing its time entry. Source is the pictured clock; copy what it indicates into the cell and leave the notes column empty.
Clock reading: 3:49:09
